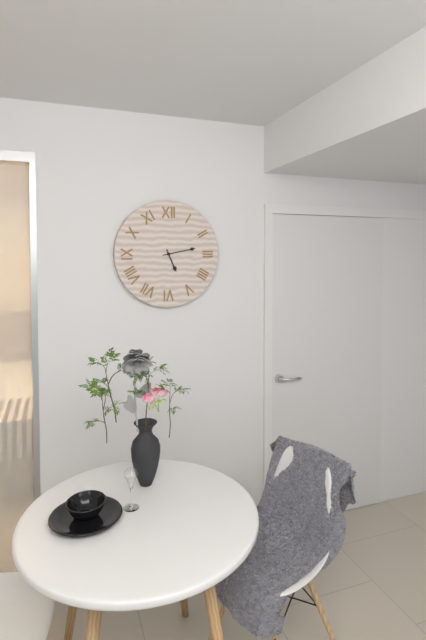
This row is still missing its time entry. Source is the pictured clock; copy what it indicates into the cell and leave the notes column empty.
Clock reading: 5:13
